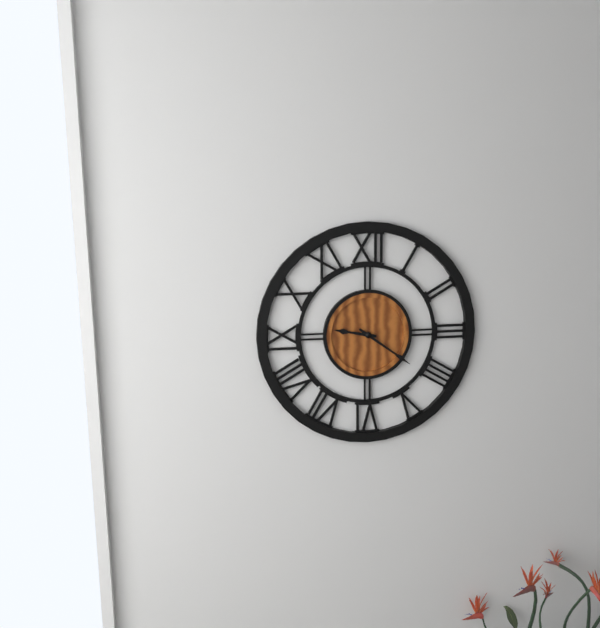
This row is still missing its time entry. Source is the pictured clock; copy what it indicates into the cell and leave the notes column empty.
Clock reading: 9:21
